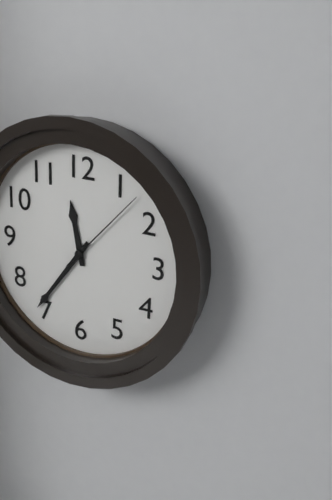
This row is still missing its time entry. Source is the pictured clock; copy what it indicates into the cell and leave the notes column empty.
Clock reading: 11:36:07
